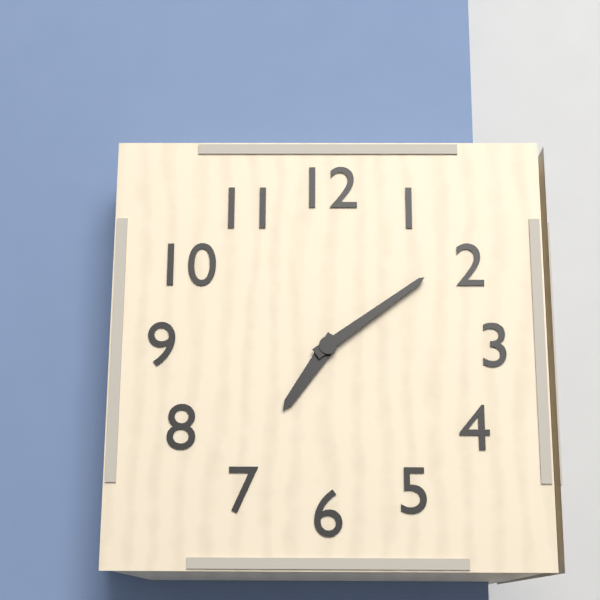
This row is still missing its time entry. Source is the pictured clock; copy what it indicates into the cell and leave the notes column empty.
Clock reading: 7:09
